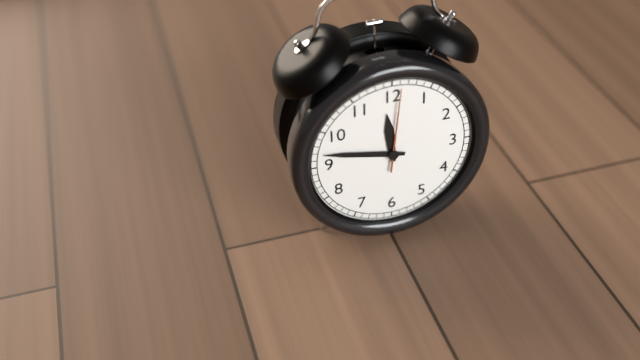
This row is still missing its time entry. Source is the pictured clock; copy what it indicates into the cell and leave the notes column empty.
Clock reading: 11:47:01
